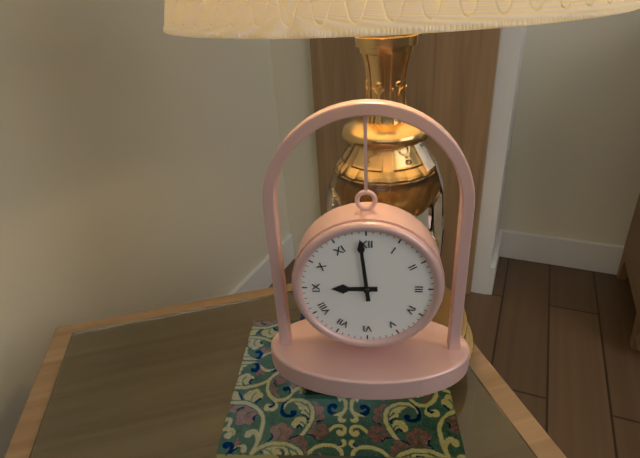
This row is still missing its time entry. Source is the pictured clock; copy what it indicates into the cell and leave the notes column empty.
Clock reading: 8:59
